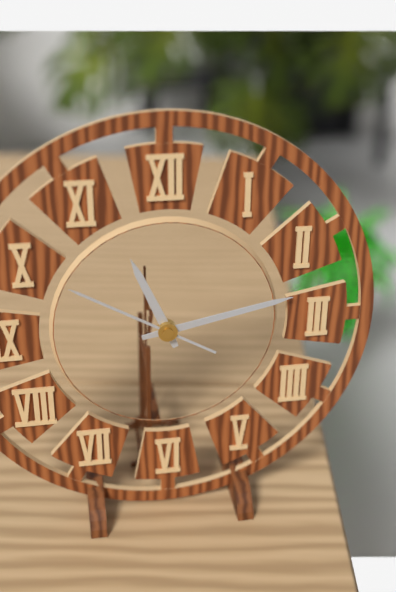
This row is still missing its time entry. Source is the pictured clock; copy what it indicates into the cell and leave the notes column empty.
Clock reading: 11:13:50
